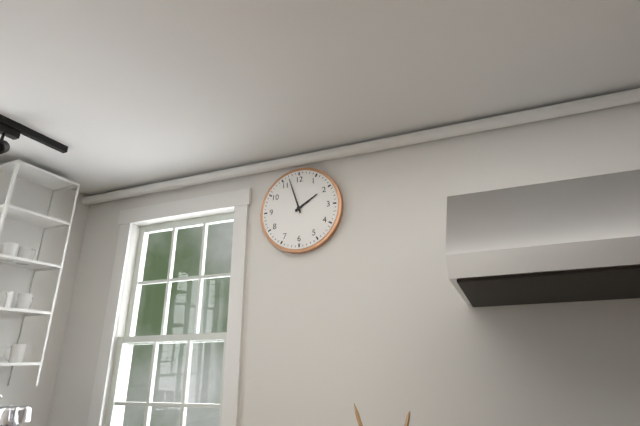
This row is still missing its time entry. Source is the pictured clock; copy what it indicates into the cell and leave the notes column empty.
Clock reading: 1:57
